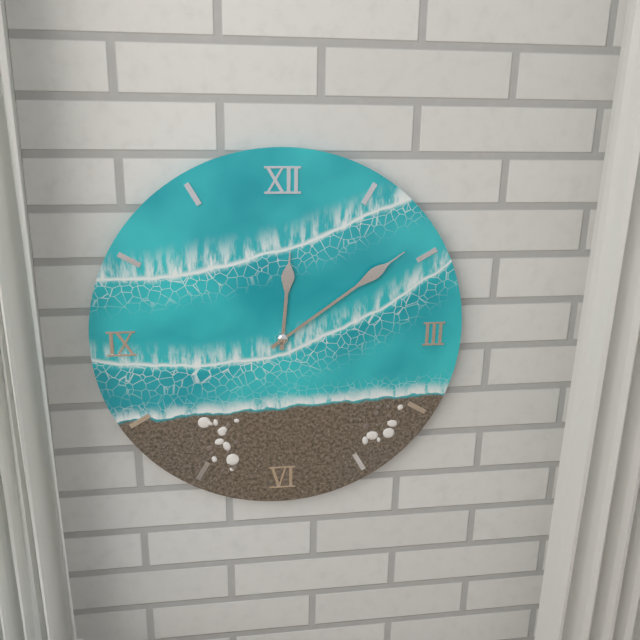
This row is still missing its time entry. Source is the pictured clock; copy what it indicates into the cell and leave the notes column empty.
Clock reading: 12:09
